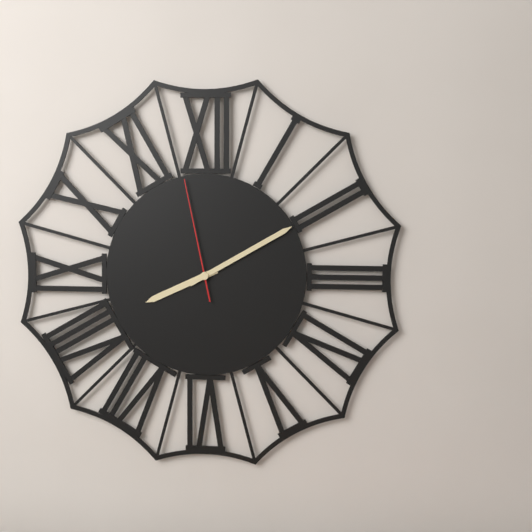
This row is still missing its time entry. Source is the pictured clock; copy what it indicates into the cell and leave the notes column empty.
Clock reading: 8:10:58
